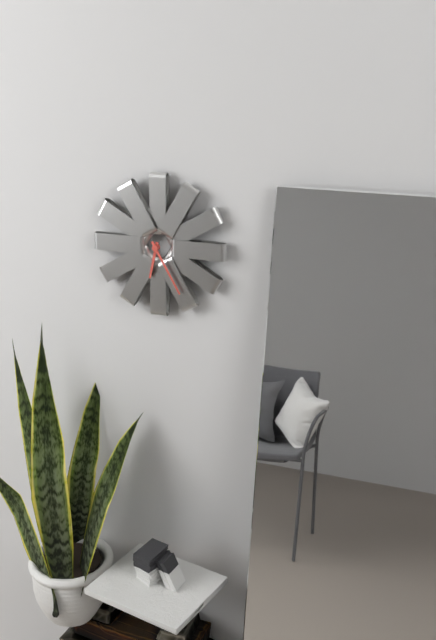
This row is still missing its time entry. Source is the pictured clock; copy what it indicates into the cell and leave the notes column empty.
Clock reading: 6:25
